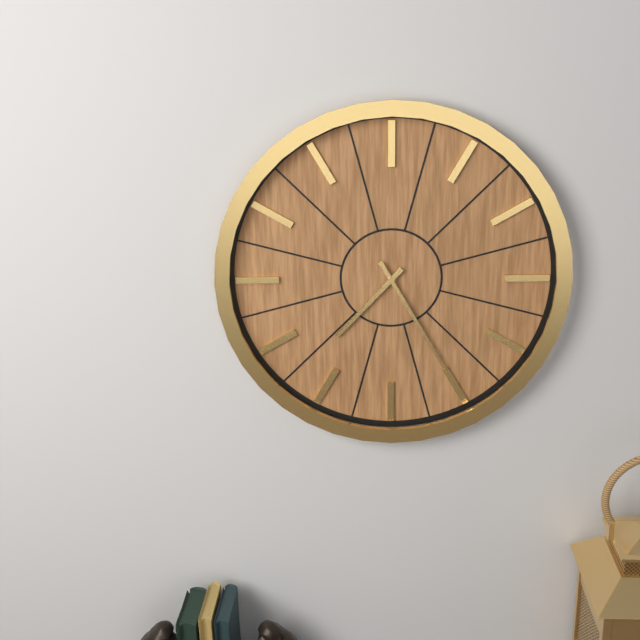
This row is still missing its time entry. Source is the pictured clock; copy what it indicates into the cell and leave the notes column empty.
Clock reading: 7:25
